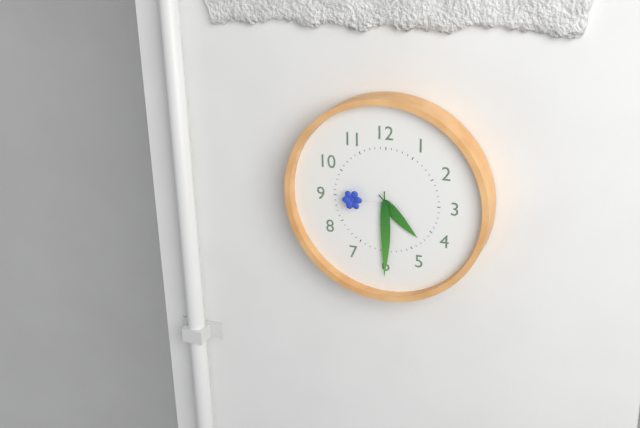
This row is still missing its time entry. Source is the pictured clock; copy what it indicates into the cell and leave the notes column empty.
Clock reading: 4:30:45
